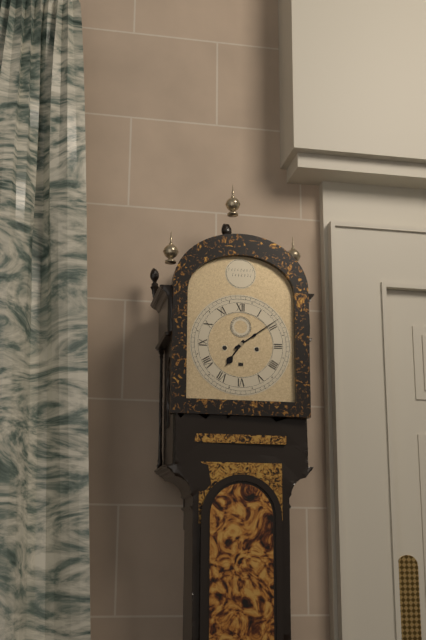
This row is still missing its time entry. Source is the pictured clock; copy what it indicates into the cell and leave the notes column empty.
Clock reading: 7:09
